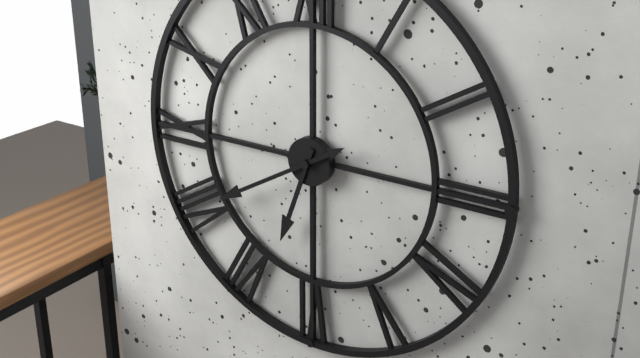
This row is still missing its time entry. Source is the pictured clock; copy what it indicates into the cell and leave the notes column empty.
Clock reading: 6:40
